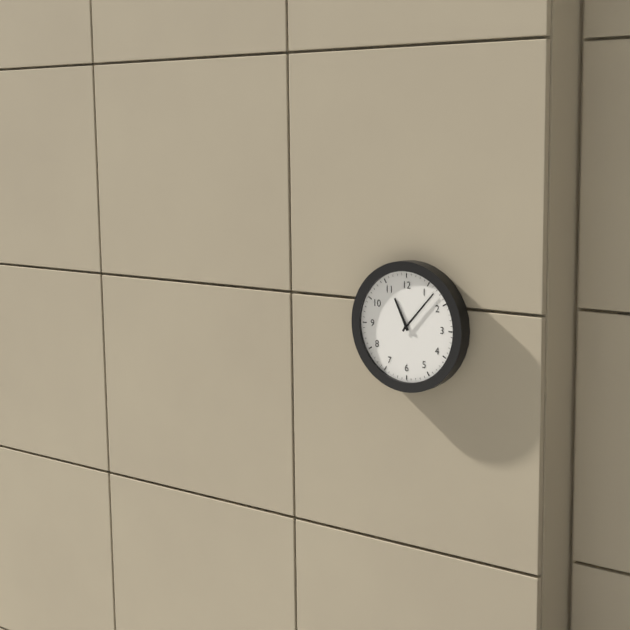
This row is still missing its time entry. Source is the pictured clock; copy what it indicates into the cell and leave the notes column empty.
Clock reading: 11:07
